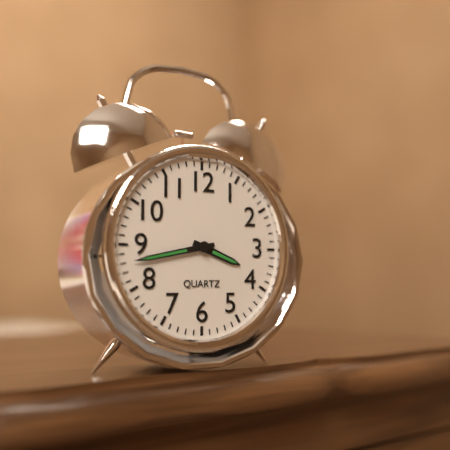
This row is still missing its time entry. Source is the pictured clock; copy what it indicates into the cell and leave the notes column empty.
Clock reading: 3:43
